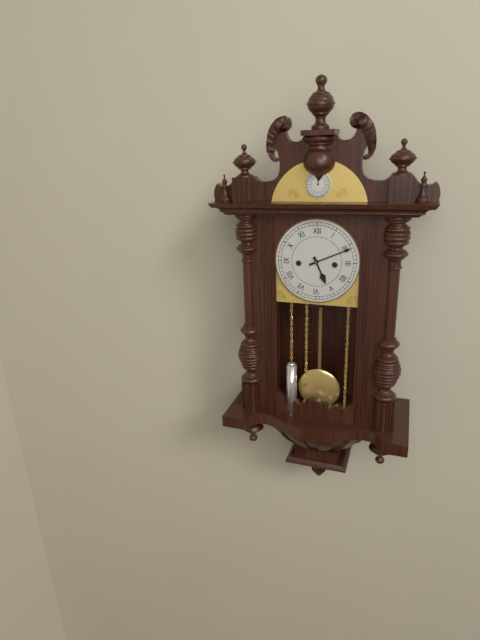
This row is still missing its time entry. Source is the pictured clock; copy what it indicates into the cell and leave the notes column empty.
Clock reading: 5:11
